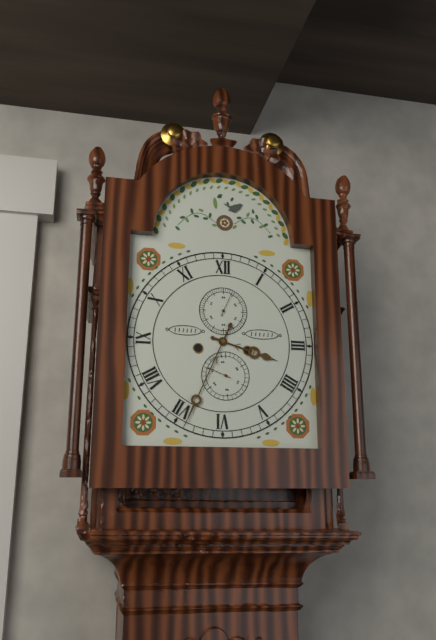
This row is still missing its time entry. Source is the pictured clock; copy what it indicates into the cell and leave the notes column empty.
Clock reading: 3:34
